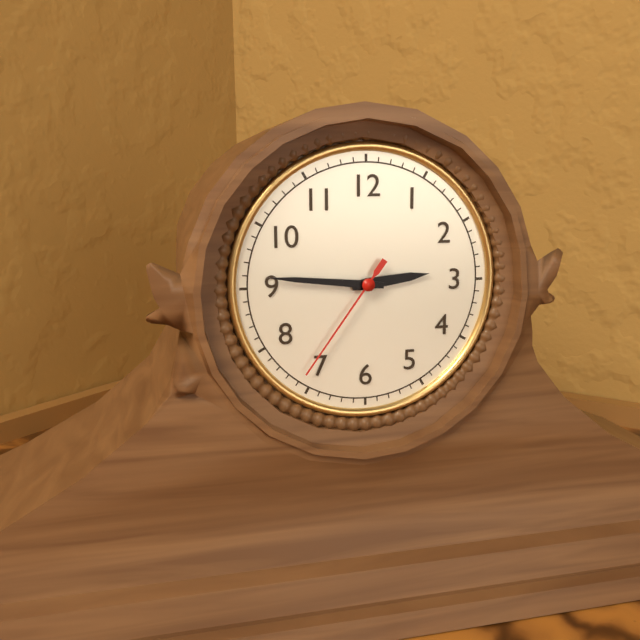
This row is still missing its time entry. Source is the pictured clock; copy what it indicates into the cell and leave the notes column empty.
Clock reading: 2:46:36
